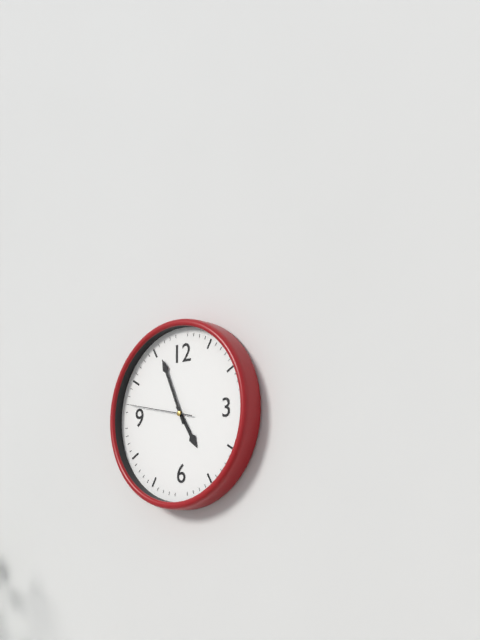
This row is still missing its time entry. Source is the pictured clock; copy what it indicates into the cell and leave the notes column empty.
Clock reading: 4:56:47
